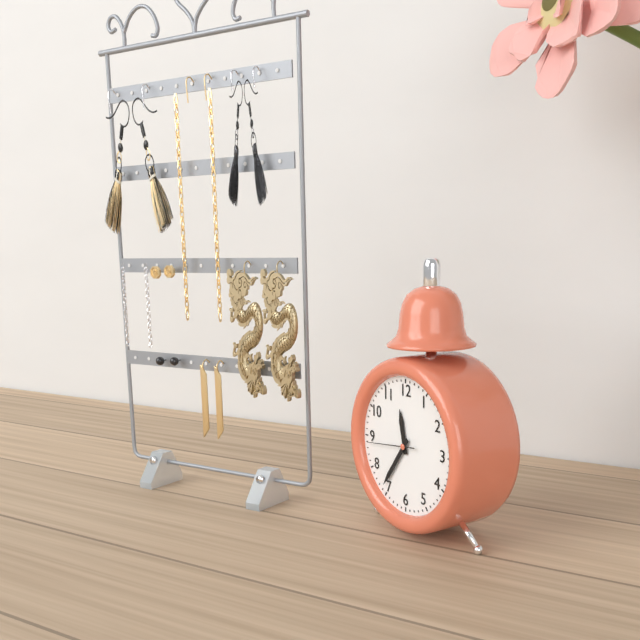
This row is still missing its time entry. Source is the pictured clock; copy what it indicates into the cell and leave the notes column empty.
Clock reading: 11:36
